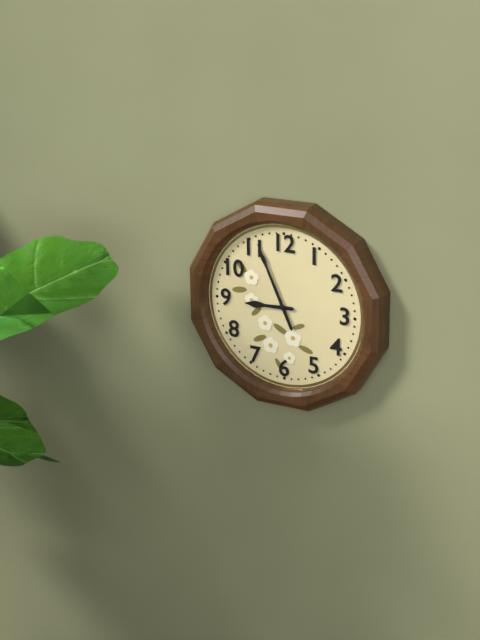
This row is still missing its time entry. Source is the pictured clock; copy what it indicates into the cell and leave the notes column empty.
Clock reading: 8:56
